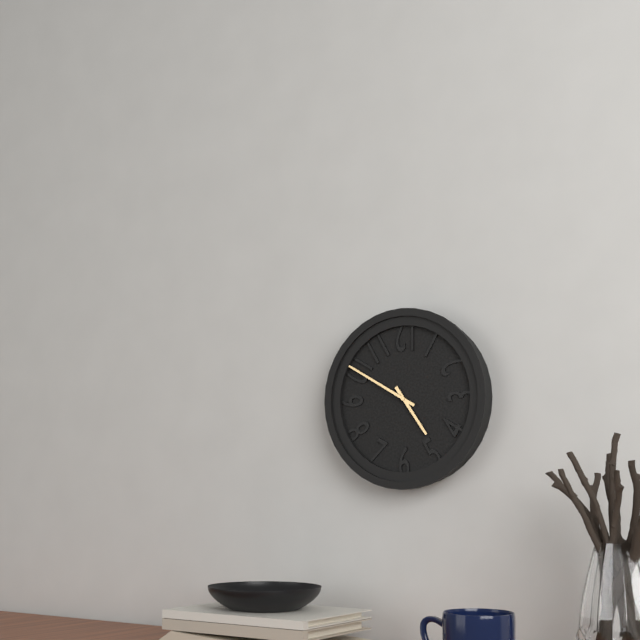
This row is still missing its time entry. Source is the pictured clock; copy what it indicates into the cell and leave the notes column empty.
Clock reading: 4:50
